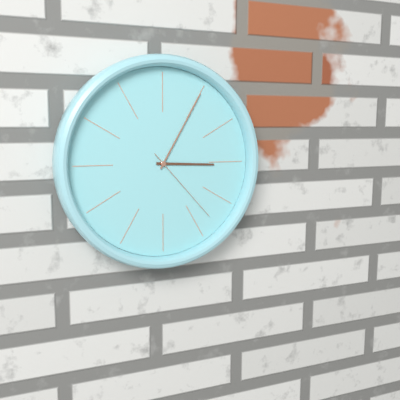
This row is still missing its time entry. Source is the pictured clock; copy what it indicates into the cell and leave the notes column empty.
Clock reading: 3:05:23
